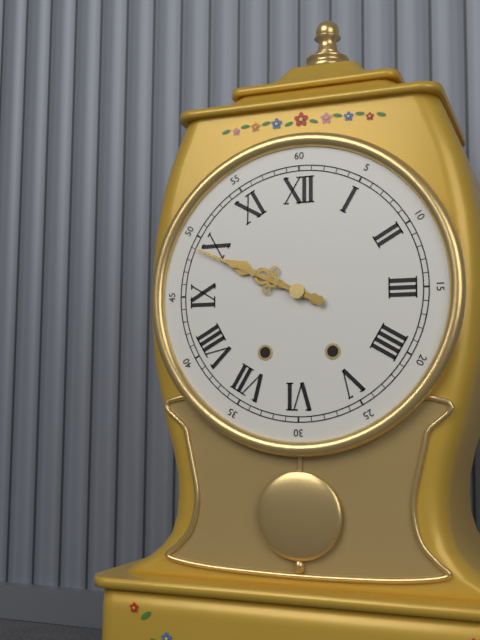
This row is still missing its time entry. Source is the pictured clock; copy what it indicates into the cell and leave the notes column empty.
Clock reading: 9:49
